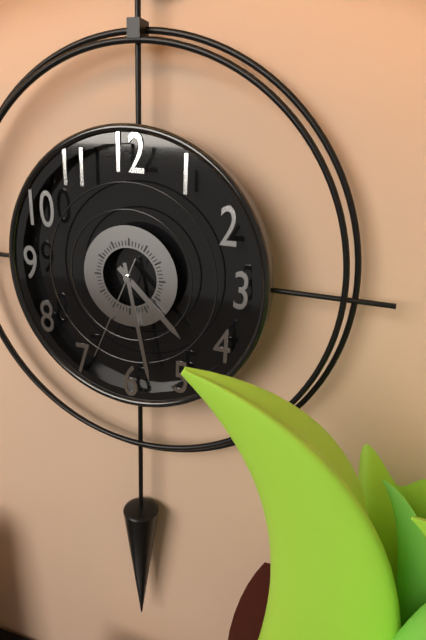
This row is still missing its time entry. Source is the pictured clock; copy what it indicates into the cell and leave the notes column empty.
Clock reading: 4:28:34
